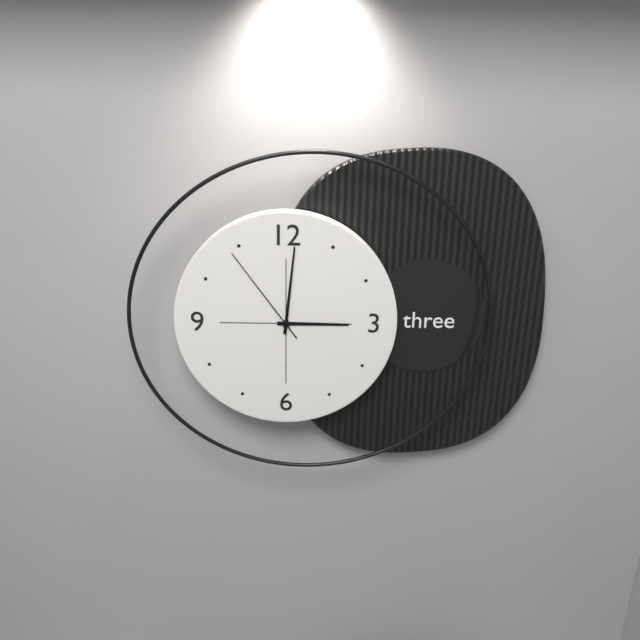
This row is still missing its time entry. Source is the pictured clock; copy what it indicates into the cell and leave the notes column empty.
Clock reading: 3:01:54
